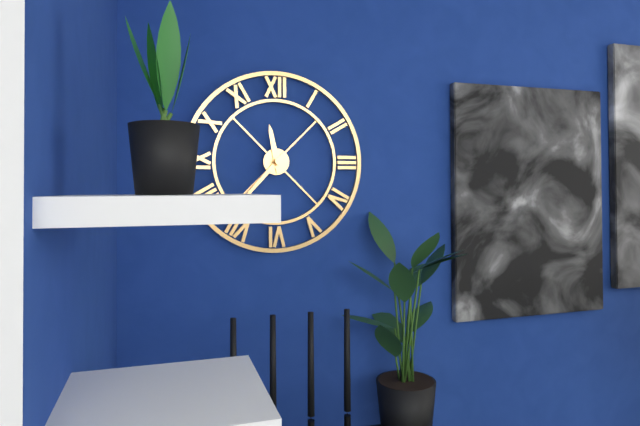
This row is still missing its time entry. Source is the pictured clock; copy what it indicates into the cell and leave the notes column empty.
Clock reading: 11:37
